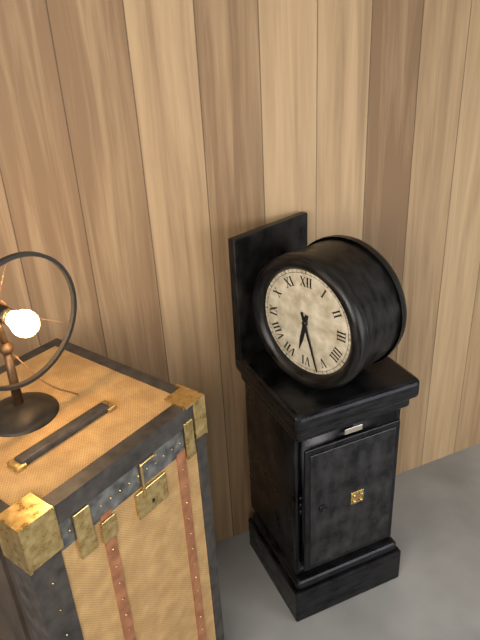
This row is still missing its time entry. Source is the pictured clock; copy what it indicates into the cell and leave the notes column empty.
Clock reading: 6:27
